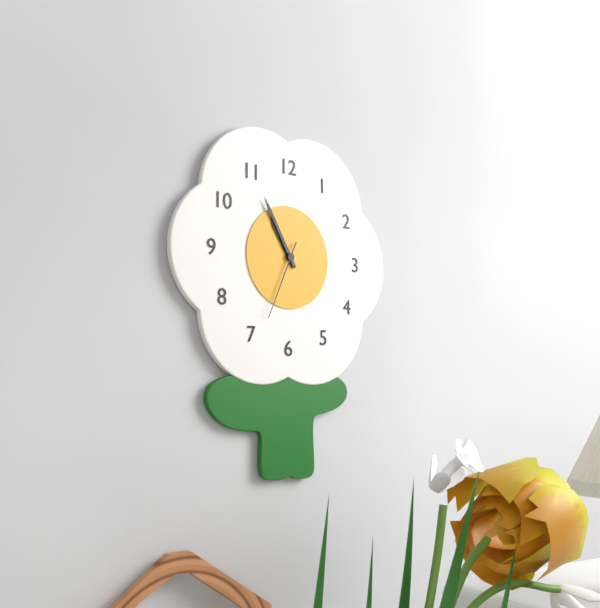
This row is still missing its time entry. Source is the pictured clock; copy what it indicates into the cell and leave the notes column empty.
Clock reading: 10:55:34
